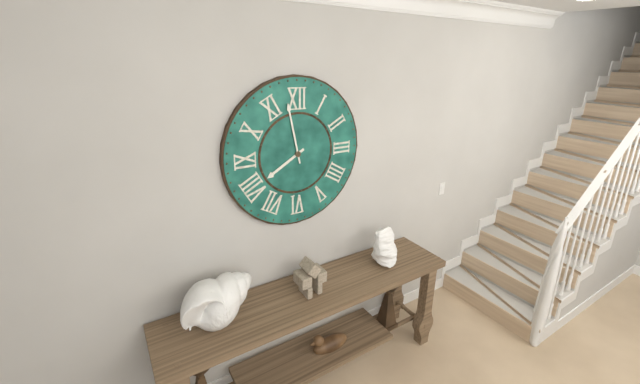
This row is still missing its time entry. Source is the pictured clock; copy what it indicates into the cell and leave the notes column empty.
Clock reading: 7:58
